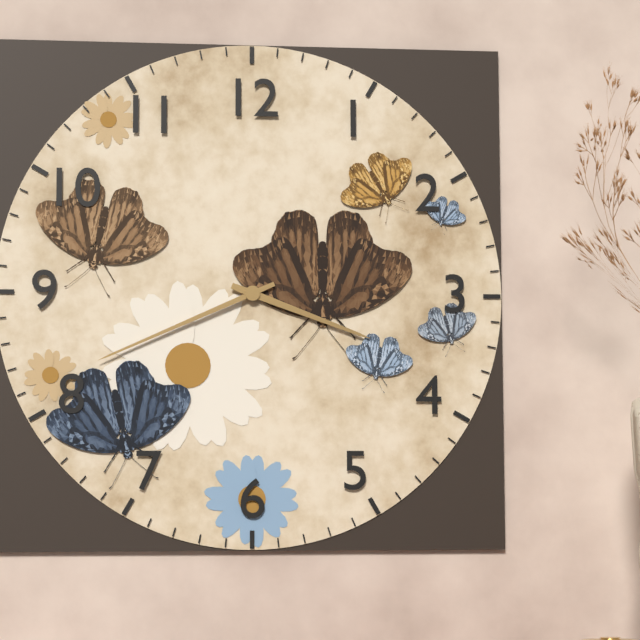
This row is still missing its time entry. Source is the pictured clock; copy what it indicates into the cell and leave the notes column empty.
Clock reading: 3:41
